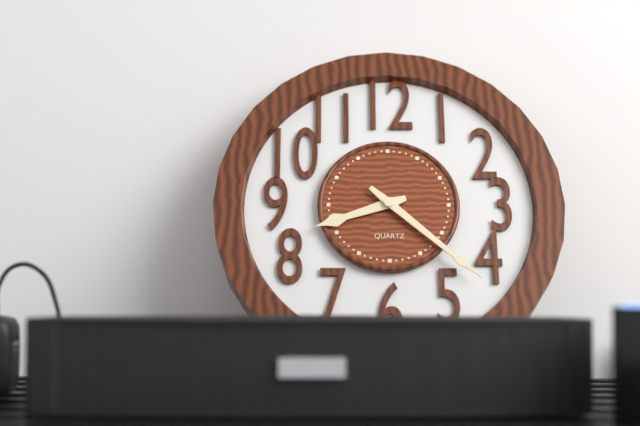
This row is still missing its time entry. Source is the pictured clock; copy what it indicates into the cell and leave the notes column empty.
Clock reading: 8:22
